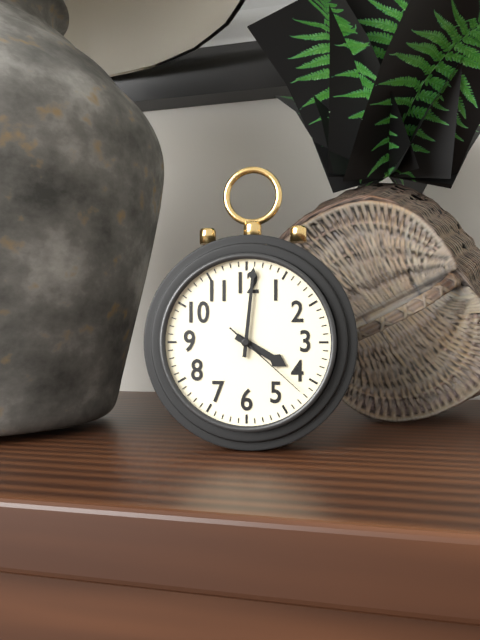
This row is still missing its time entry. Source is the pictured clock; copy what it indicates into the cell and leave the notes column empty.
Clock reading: 4:01:22
